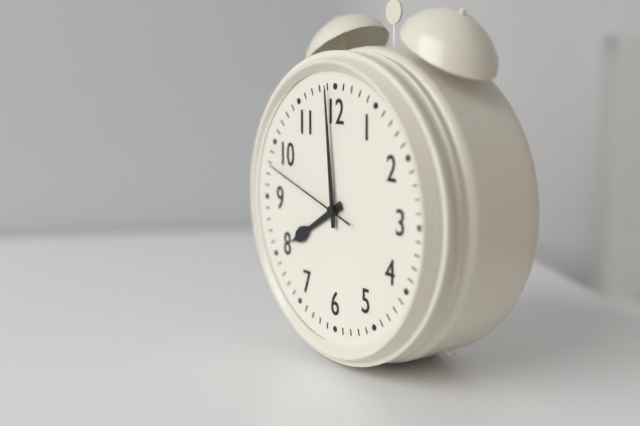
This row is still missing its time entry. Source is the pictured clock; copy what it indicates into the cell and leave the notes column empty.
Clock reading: 7:59:48
